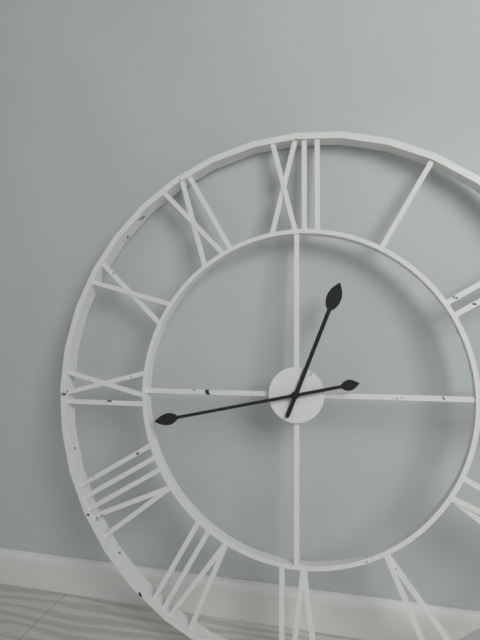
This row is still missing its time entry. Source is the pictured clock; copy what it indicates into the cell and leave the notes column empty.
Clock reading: 12:43
